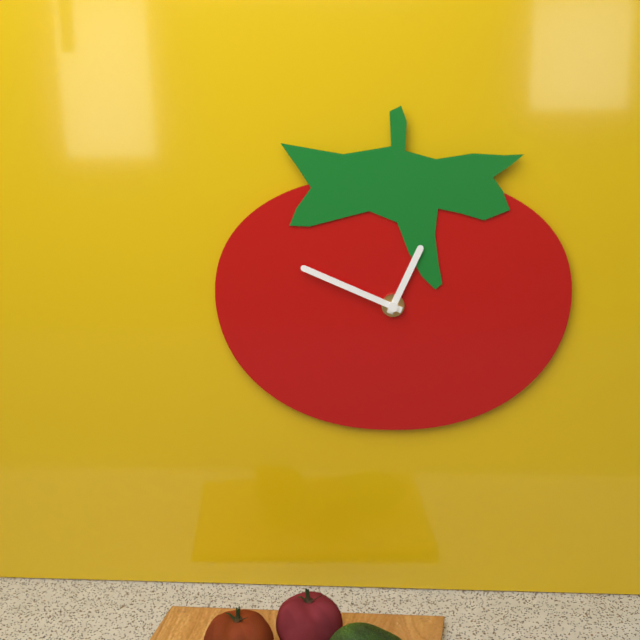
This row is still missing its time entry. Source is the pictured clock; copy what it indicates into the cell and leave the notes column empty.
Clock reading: 12:49
